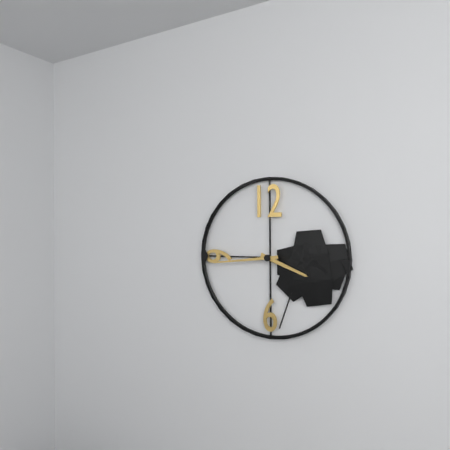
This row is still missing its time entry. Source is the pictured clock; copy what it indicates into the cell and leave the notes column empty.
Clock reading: 3:44
